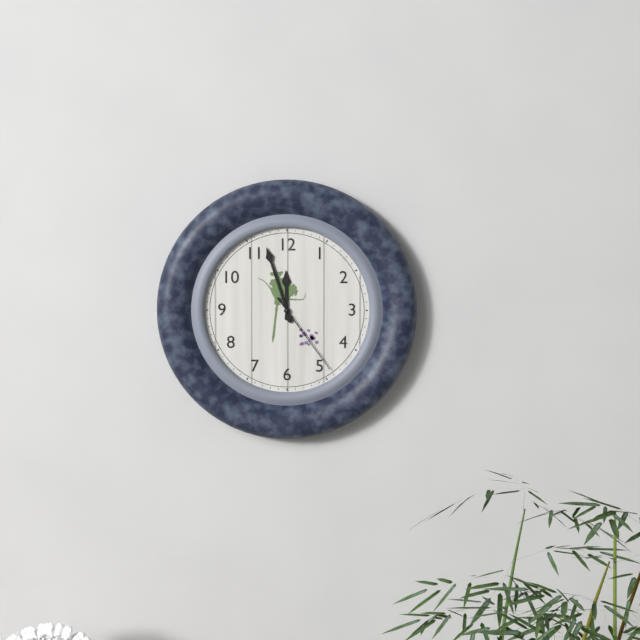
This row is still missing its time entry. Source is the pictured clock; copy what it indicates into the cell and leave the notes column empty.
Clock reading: 11:57:24
